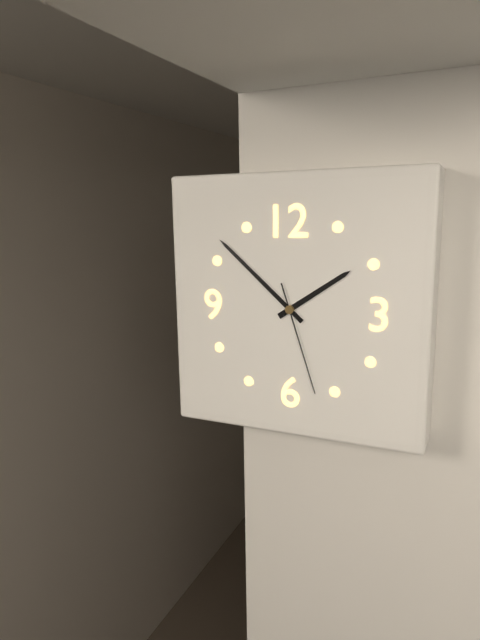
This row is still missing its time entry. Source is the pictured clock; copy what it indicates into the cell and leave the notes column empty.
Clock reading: 1:52:27
